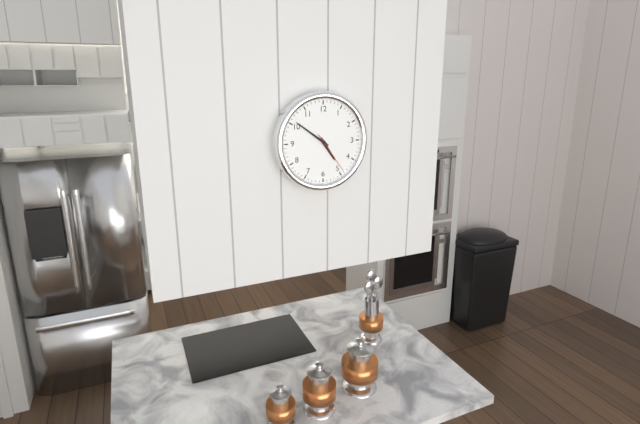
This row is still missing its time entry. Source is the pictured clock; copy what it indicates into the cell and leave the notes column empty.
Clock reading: 4:51
